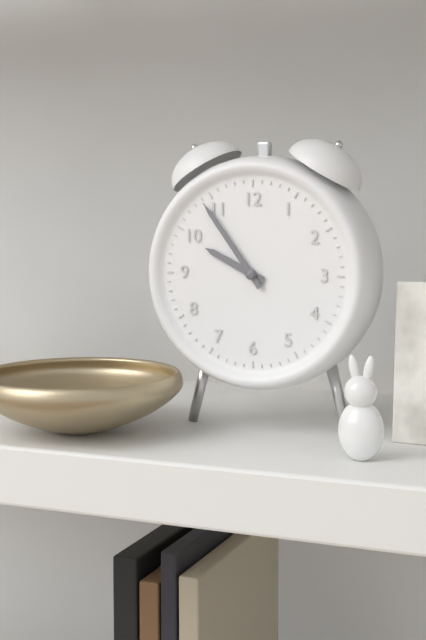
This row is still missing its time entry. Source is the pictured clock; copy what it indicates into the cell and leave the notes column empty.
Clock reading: 9:54
